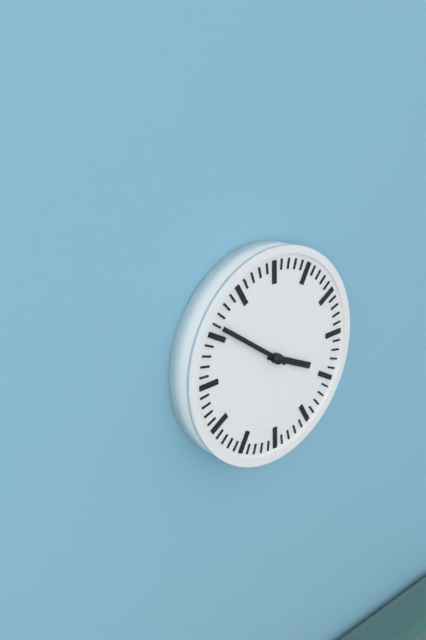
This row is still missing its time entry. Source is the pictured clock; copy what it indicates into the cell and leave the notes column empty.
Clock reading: 3:51
